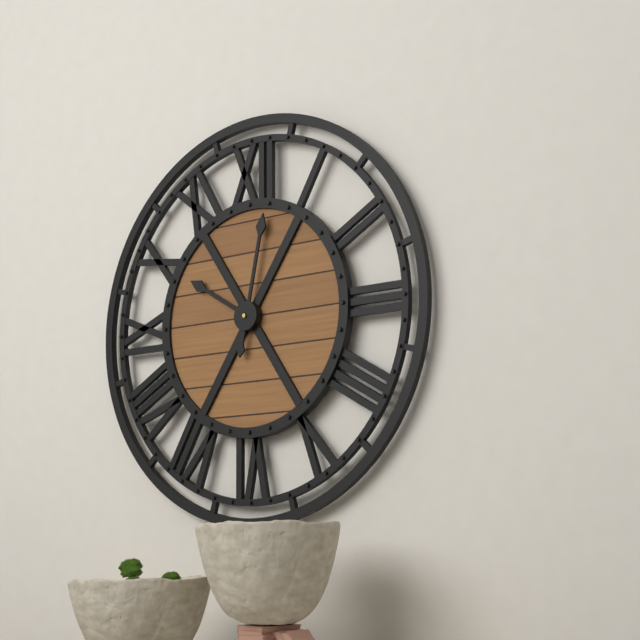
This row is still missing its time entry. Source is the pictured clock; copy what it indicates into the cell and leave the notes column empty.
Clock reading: 10:02
